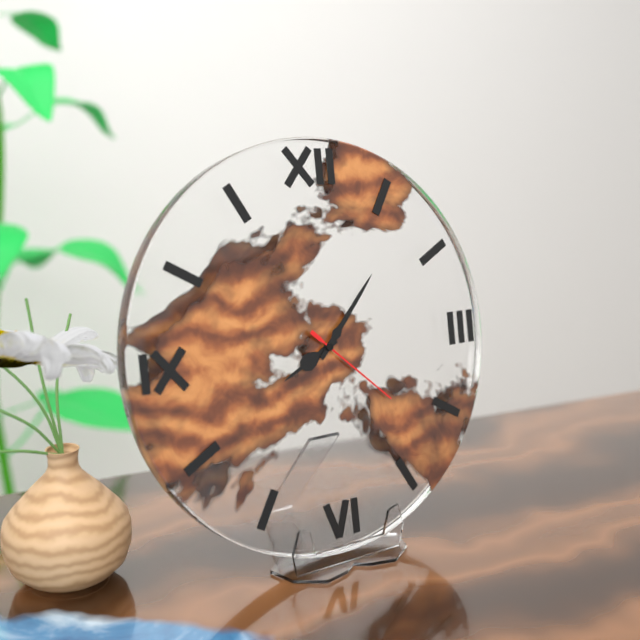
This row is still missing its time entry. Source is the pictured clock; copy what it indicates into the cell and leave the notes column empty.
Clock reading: 8:07:22
